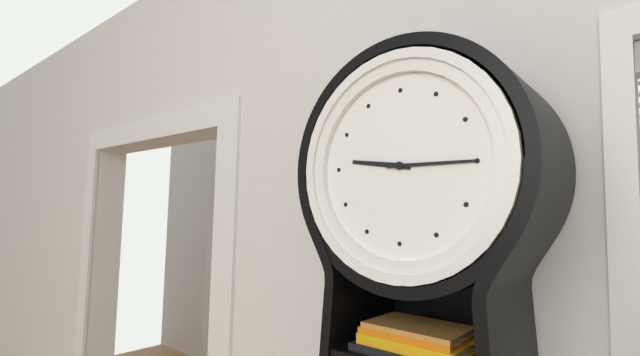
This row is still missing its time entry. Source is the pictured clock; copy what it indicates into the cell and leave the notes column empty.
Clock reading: 9:15
